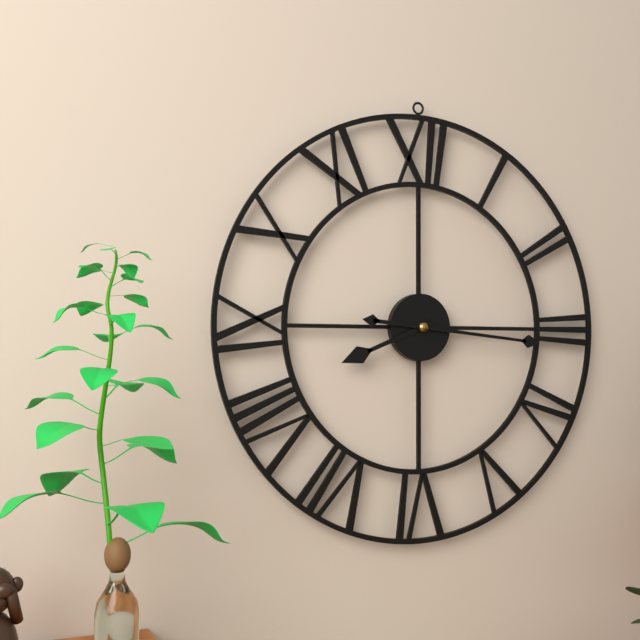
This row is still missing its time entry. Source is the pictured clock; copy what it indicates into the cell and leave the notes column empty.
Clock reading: 8:16
